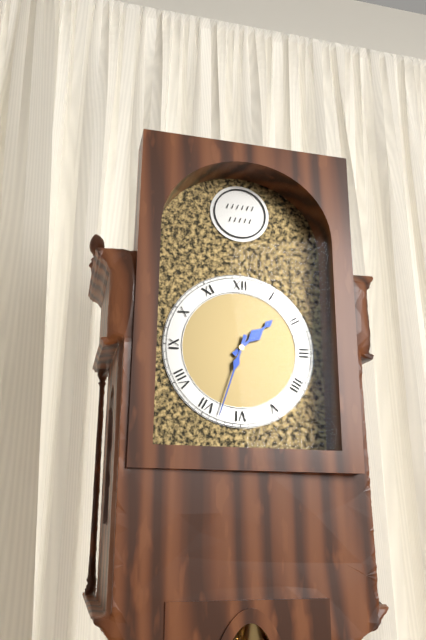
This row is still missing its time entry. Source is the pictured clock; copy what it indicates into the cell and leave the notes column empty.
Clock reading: 1:33
